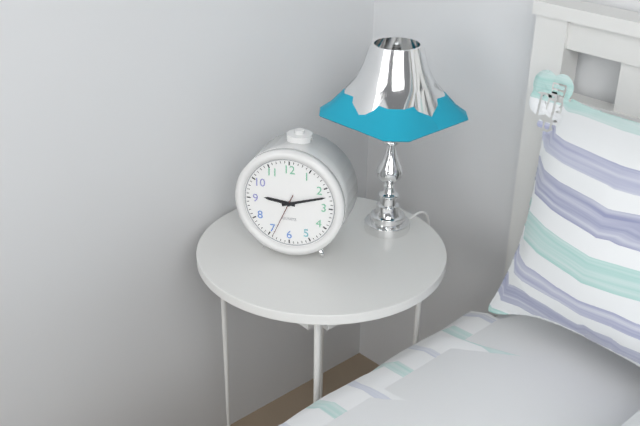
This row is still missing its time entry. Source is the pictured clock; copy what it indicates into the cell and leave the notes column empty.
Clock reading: 9:12
